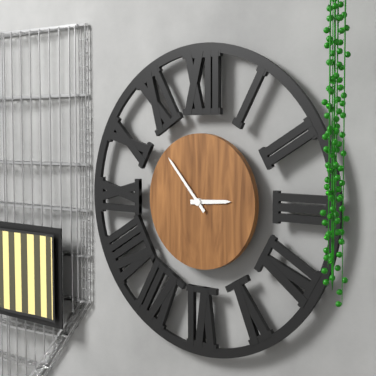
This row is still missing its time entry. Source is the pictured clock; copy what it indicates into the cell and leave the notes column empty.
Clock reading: 2:53
